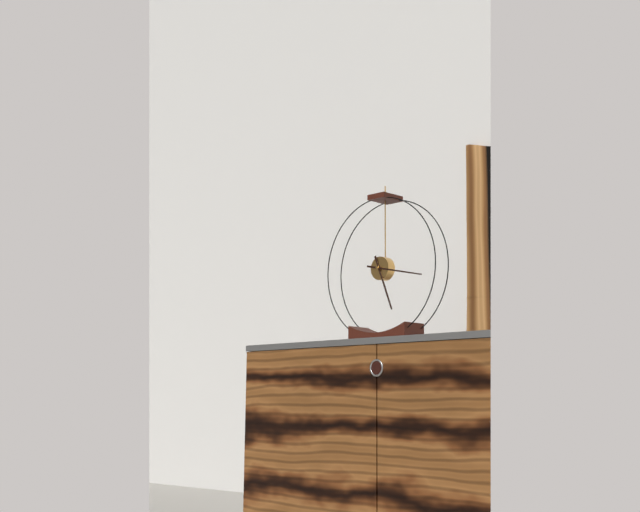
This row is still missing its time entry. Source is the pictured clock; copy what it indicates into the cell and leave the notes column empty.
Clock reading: 5:17
